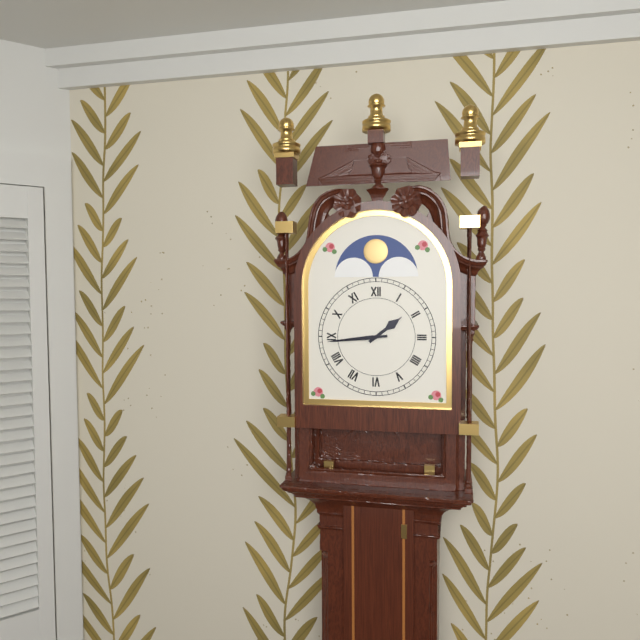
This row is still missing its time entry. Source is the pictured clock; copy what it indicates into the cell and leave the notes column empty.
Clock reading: 1:44
